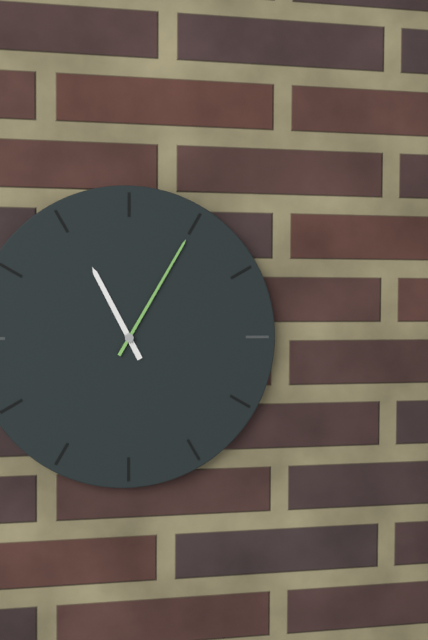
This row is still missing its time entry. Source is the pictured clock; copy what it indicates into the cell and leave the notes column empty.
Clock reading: 11:05
